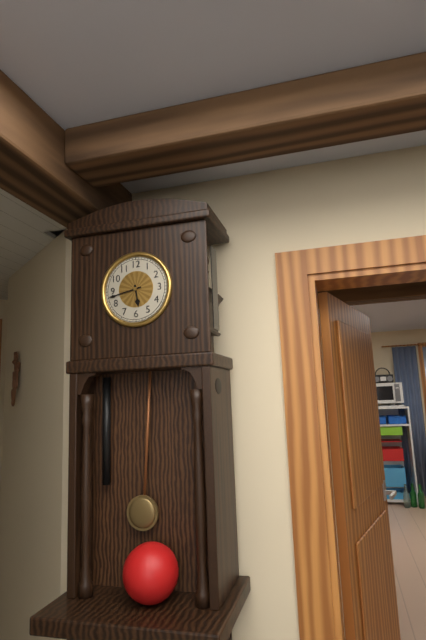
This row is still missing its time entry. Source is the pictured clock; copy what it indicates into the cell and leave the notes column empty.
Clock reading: 5:43
